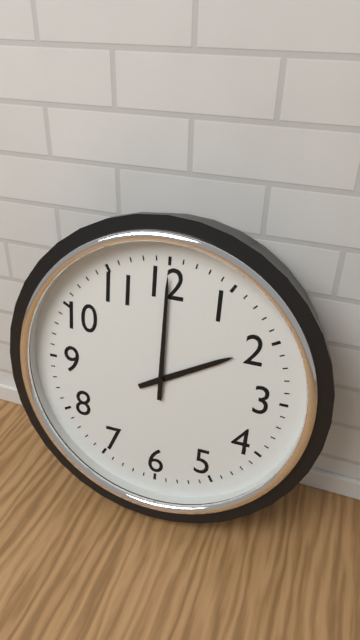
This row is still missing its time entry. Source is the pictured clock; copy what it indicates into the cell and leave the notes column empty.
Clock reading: 2:00
